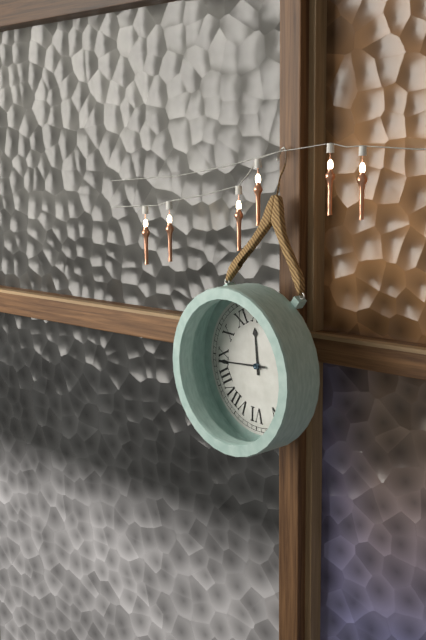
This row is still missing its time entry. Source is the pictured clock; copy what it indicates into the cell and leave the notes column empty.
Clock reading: 11:44
